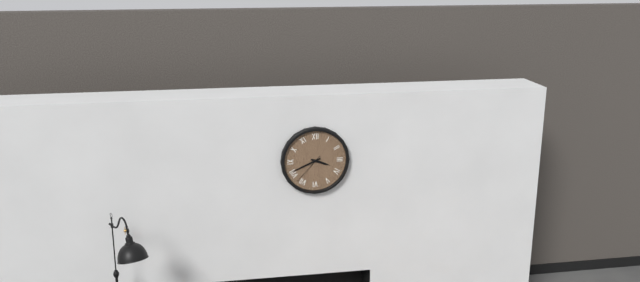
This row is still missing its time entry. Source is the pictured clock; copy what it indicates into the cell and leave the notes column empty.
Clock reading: 3:41
